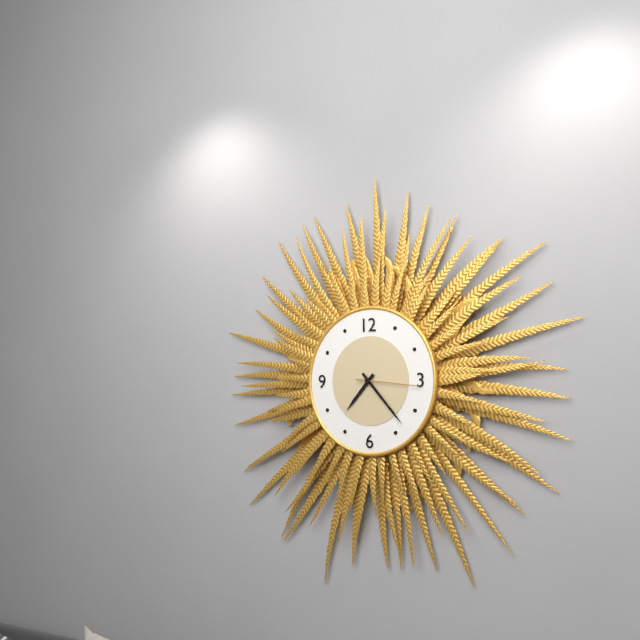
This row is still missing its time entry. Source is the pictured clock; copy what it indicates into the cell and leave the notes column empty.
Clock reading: 7:23:16
